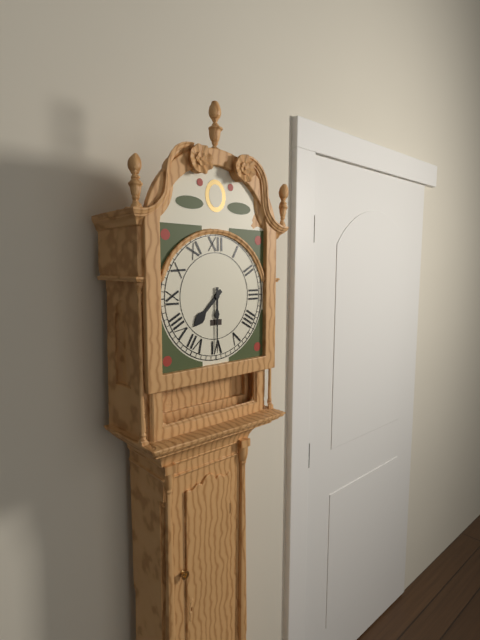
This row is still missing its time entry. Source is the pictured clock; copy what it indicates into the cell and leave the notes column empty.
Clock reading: 7:30
